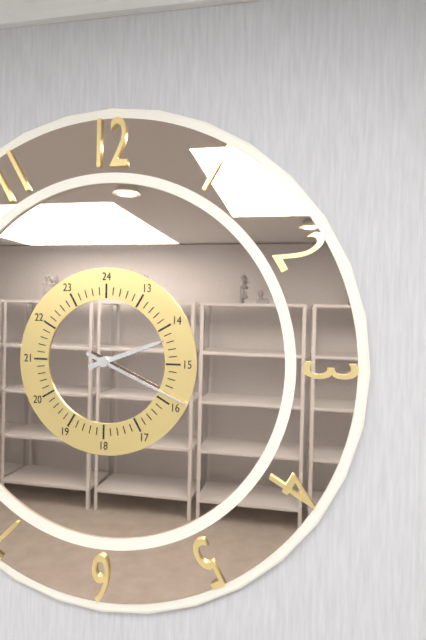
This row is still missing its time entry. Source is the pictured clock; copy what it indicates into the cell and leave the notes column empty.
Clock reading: 2:19
